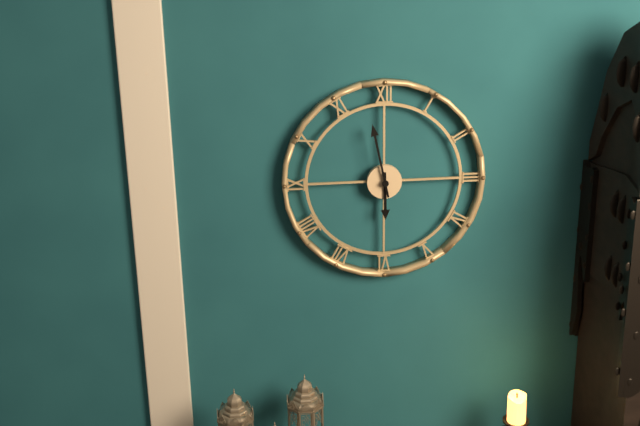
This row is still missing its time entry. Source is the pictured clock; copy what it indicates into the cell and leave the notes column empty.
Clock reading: 5:58
